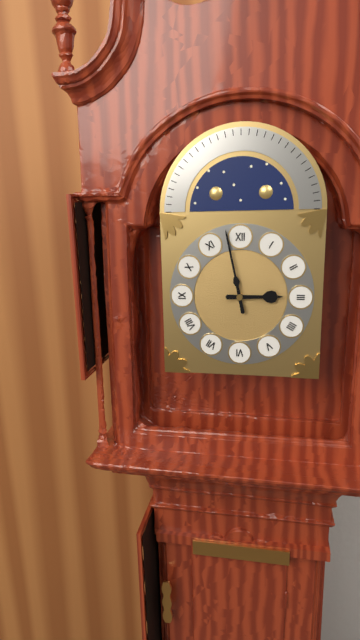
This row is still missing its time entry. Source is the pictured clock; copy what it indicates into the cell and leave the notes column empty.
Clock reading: 2:58
